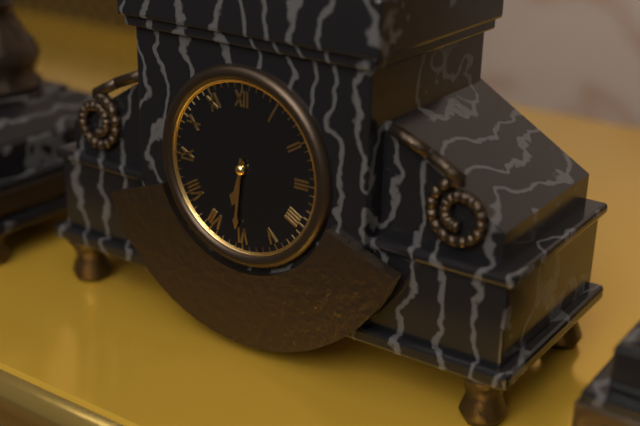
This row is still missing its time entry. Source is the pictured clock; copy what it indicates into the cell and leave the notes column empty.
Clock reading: 6:31
